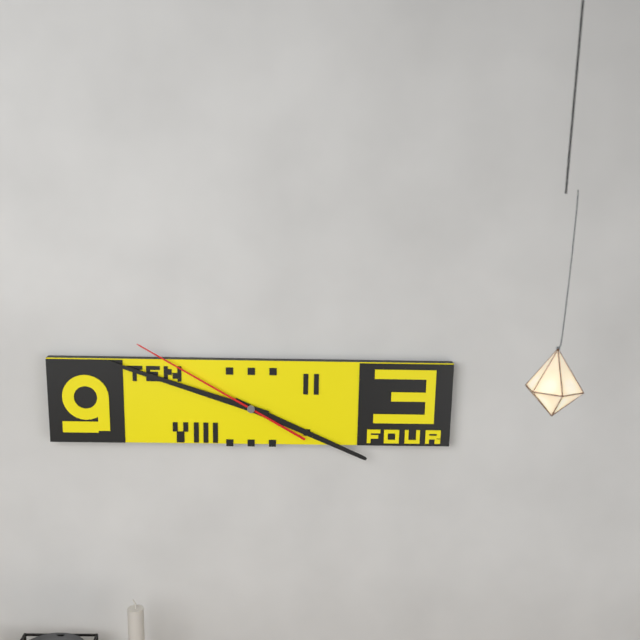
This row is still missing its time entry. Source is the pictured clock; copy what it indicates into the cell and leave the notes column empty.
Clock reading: 3:48:50
